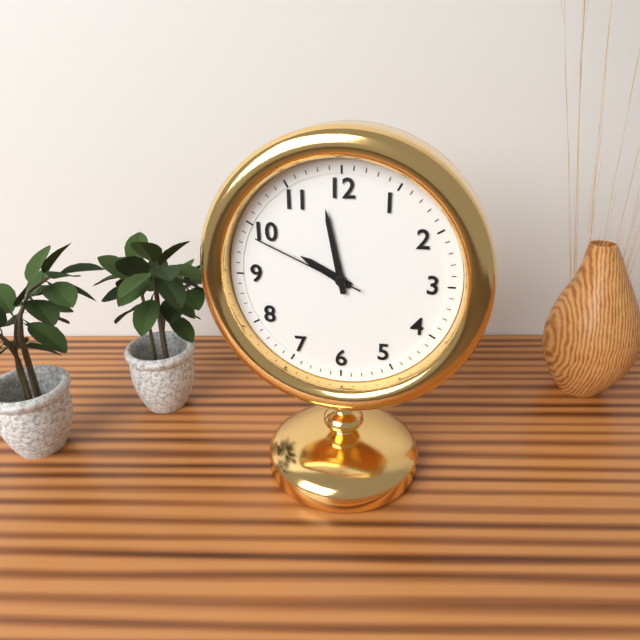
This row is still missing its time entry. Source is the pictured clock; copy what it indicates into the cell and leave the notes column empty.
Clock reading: 9:58:49
